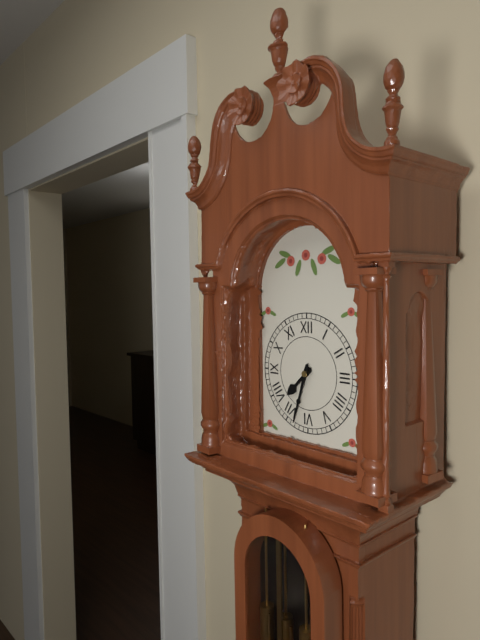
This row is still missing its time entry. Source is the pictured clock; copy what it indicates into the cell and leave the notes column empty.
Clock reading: 7:33
